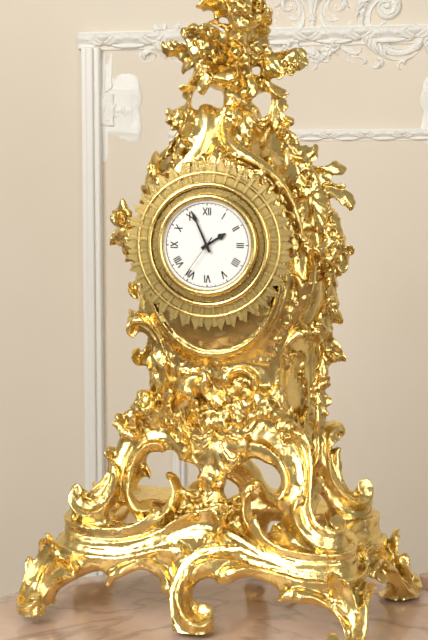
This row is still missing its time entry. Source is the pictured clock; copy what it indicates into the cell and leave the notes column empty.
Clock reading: 1:56:36
